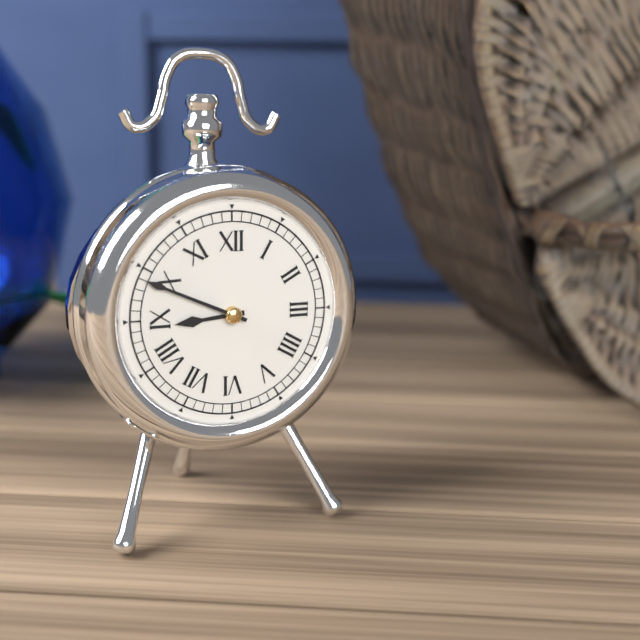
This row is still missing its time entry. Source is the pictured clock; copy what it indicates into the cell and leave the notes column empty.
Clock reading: 8:49
